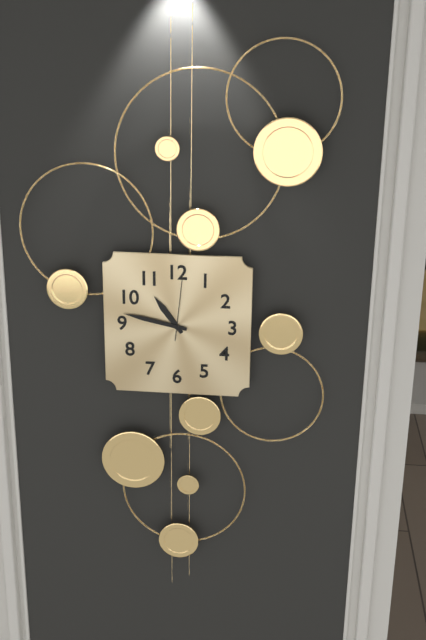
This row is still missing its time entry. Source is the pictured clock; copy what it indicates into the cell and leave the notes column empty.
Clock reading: 10:47:01
